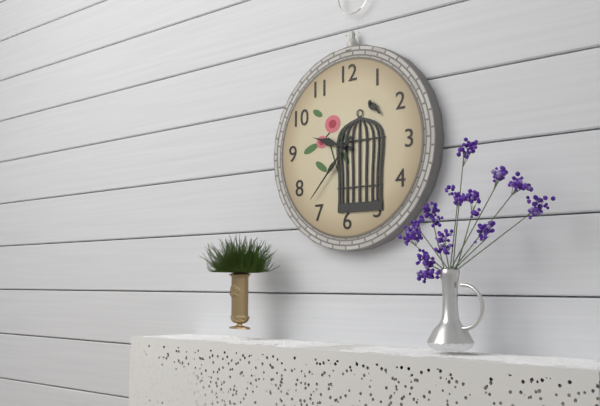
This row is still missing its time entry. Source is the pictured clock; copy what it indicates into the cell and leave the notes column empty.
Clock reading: 9:37
